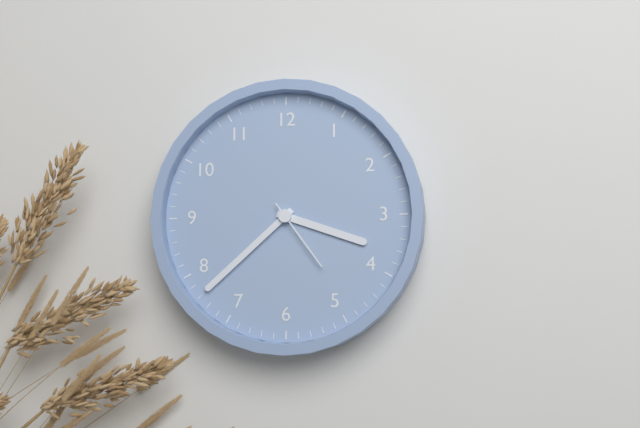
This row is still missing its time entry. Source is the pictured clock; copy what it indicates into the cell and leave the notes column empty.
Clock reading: 3:38:24
